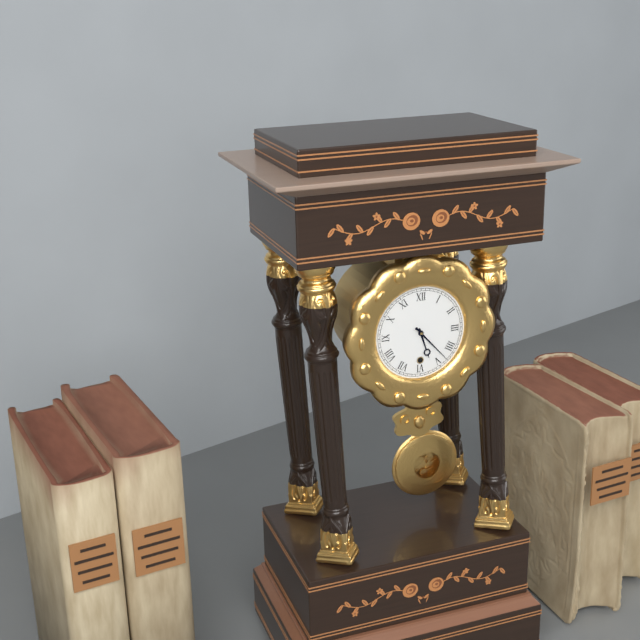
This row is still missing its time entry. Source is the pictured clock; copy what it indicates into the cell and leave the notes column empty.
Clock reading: 5:23
